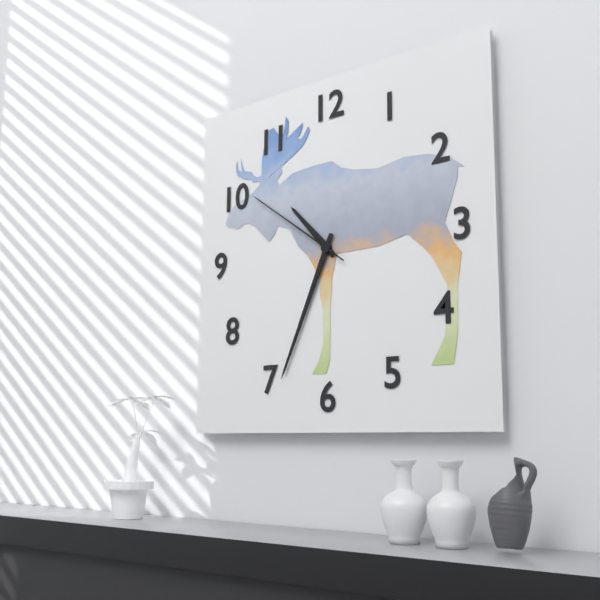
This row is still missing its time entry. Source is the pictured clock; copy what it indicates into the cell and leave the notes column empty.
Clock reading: 10:34:51
